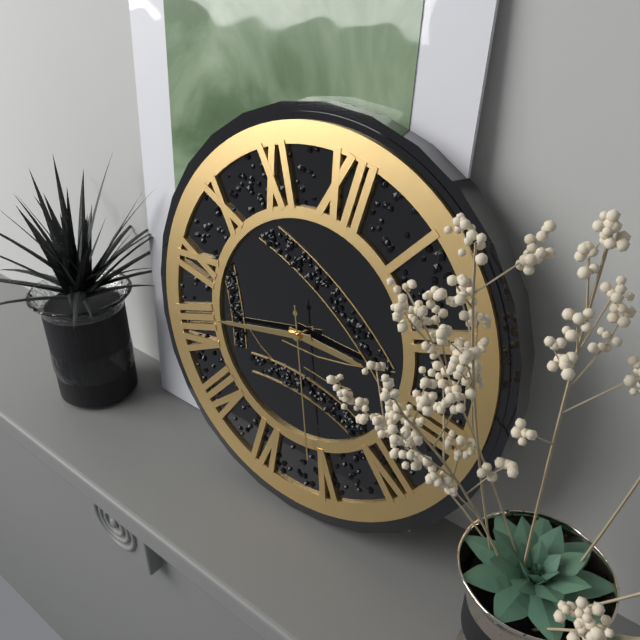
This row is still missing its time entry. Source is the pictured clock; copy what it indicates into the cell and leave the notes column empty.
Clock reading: 2:41:26
